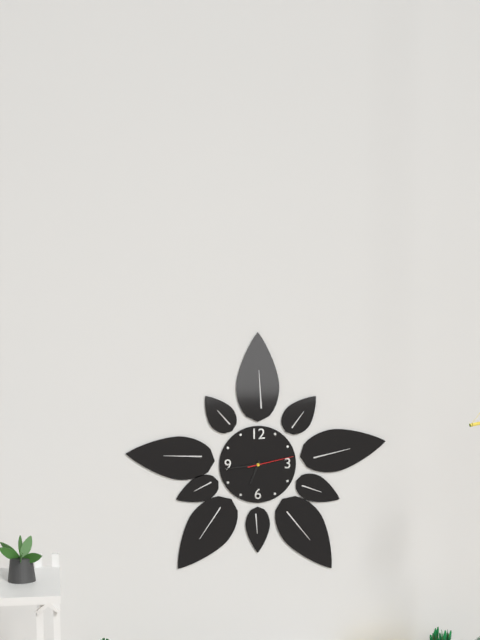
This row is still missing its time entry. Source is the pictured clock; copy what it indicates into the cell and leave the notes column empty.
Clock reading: 6:44
